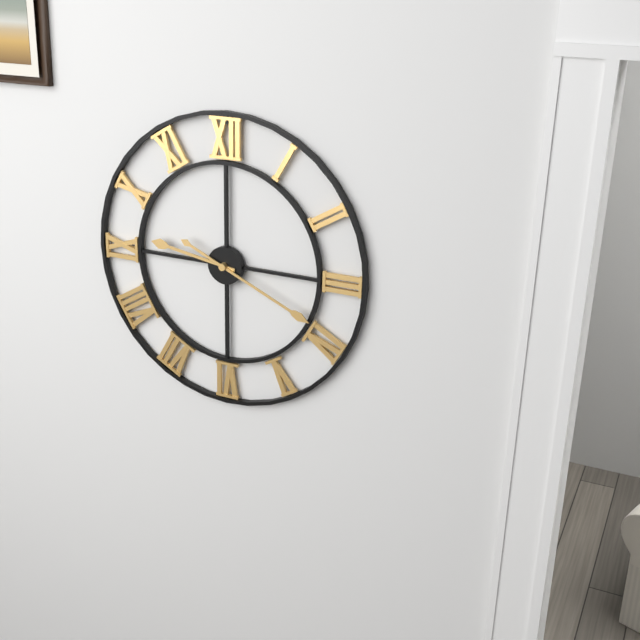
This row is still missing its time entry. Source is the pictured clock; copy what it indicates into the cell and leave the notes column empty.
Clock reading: 9:19
